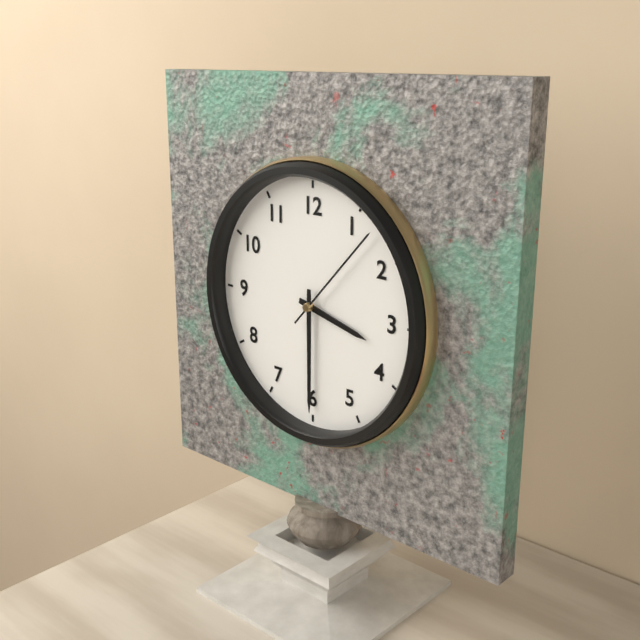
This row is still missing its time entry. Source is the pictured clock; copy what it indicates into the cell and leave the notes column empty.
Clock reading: 3:30:07
